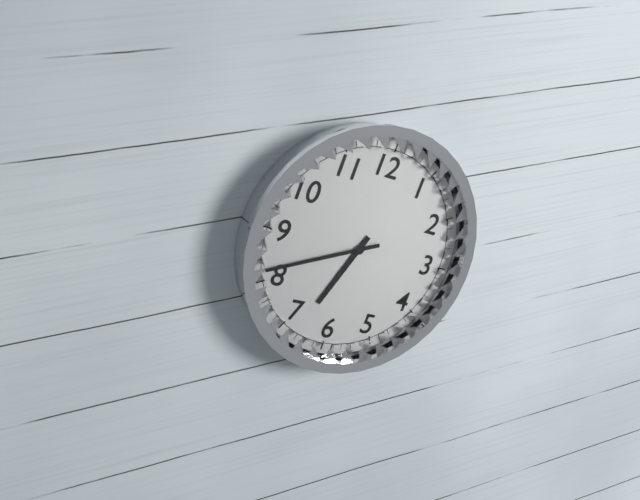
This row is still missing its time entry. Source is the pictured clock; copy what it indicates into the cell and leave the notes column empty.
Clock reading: 6:41
